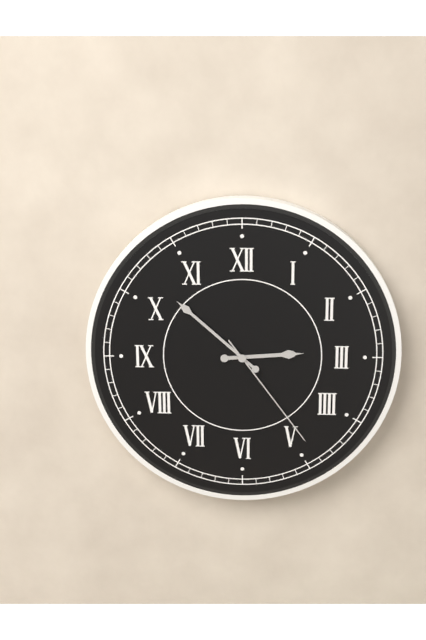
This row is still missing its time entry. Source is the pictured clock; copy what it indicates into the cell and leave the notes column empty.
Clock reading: 2:52:24
